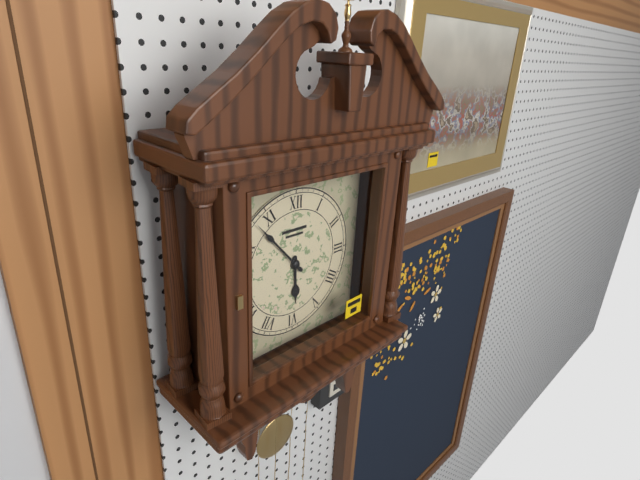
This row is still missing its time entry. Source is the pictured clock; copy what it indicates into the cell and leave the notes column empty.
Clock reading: 5:53
